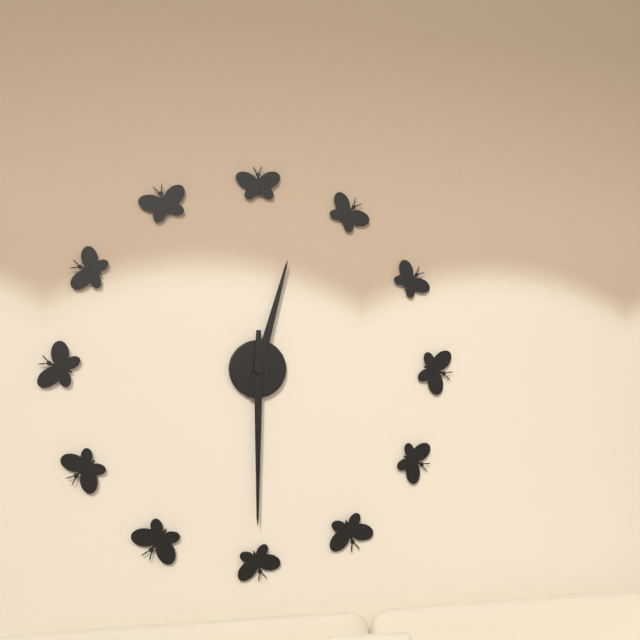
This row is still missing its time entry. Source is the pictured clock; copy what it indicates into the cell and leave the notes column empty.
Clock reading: 12:30
